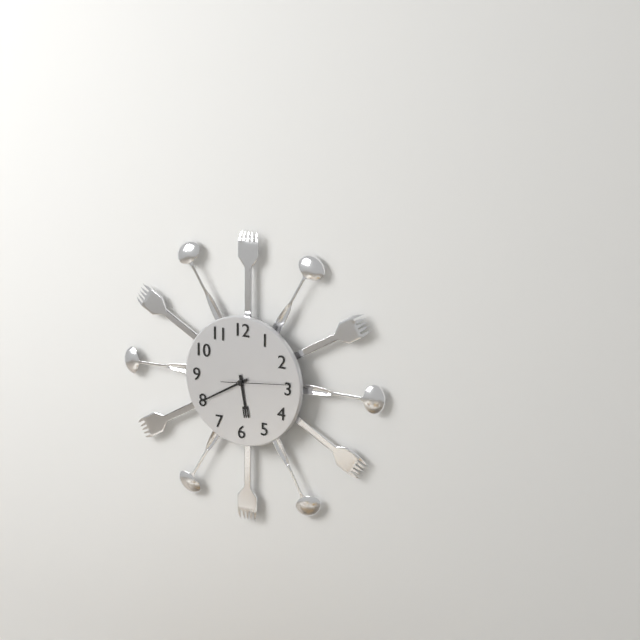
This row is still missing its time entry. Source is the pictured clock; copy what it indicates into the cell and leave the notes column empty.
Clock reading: 5:40:14
